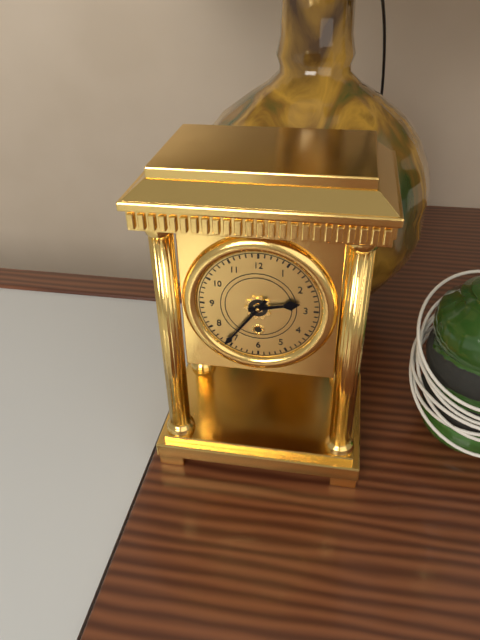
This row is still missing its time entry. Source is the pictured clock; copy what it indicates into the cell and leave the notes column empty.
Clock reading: 2:36
